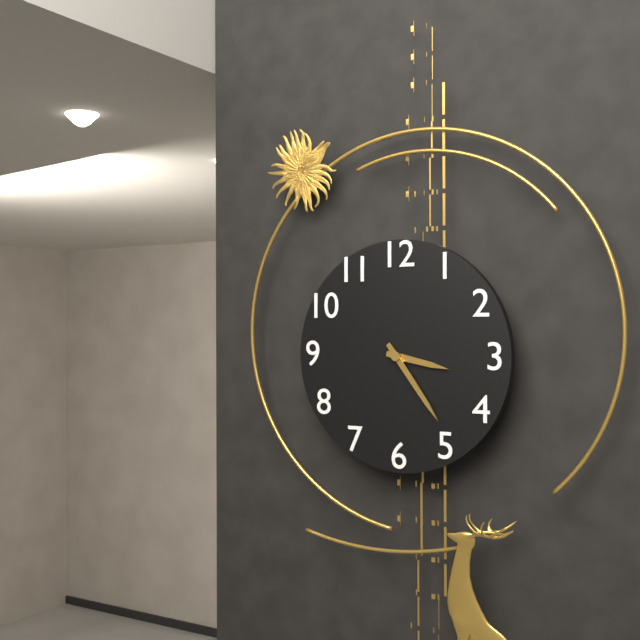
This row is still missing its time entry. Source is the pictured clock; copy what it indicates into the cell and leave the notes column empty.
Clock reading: 3:24
